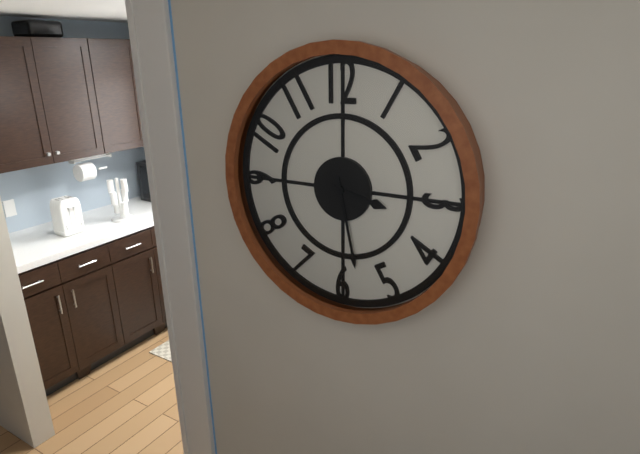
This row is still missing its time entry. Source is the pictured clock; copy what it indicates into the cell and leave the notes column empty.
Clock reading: 3:28
